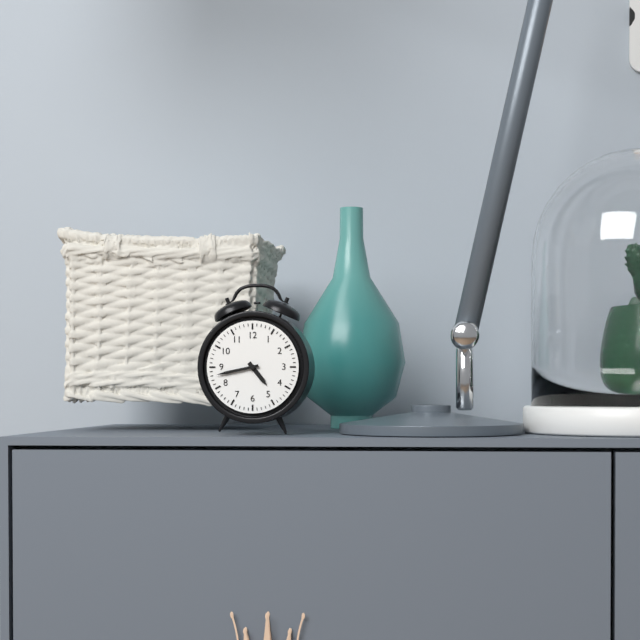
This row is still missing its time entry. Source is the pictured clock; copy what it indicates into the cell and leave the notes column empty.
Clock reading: 4:43
